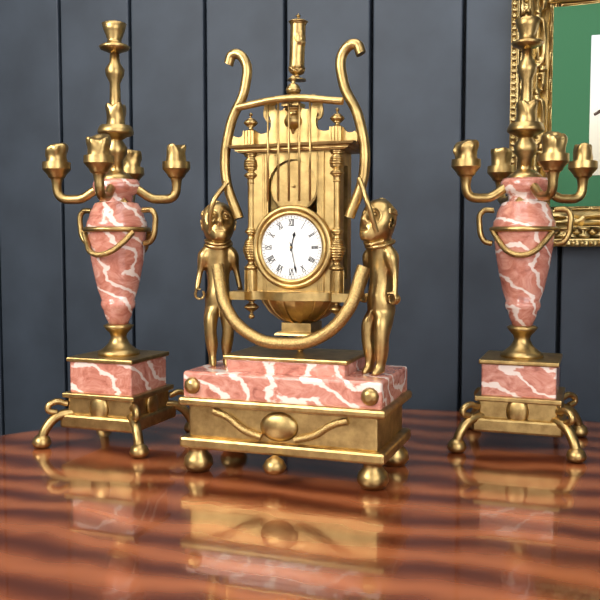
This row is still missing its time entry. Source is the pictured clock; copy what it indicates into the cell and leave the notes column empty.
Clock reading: 12:28
